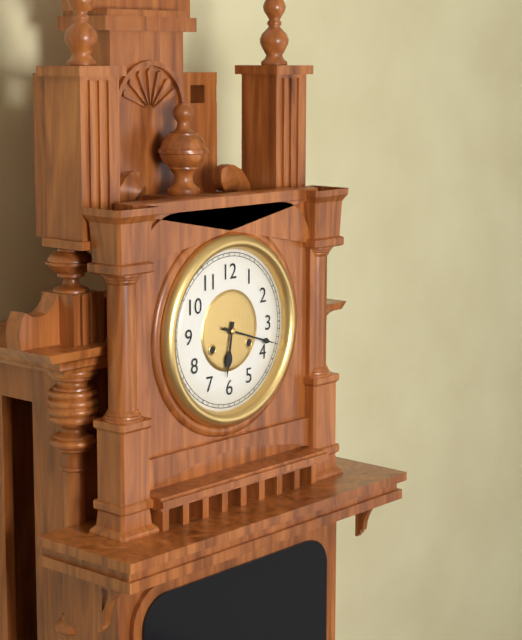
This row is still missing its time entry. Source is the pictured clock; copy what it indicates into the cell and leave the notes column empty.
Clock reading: 6:18
